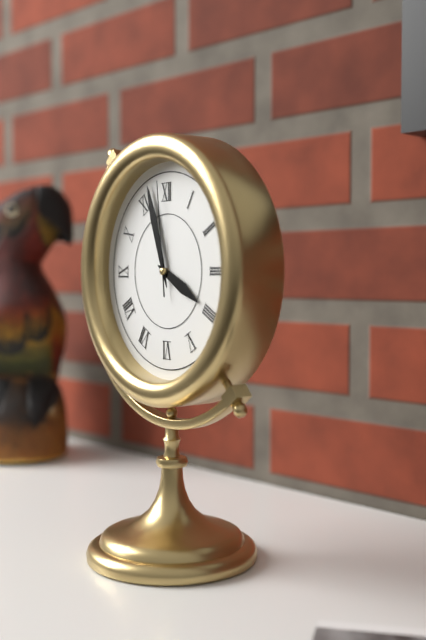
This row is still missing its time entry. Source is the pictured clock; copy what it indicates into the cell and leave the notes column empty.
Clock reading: 3:57:59
